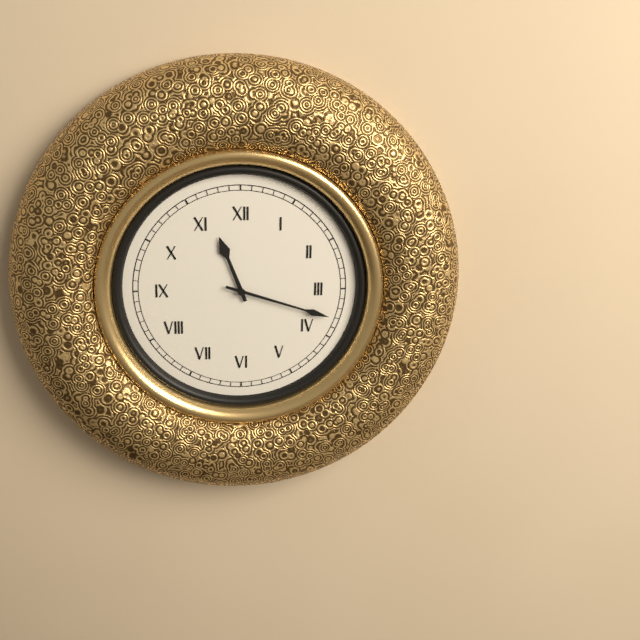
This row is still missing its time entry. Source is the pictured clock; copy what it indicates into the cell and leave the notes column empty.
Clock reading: 11:18
